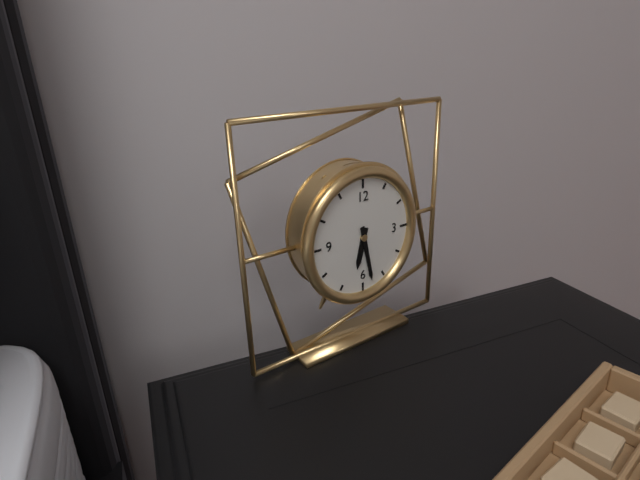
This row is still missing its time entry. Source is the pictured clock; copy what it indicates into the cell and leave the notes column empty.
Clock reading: 6:28
